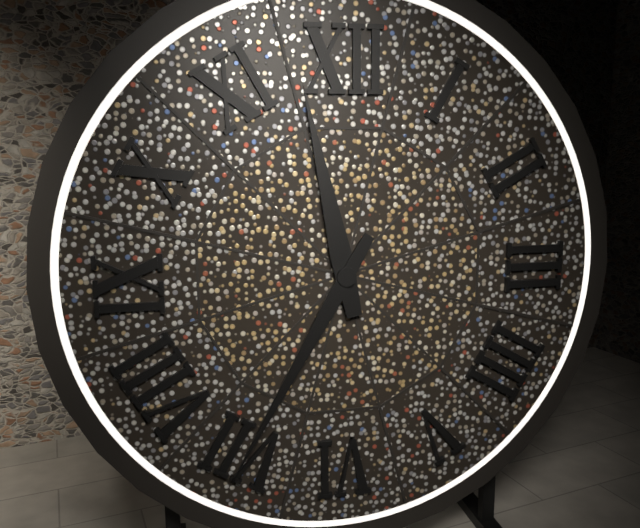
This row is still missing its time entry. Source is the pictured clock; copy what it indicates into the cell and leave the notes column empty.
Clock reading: 11:35
